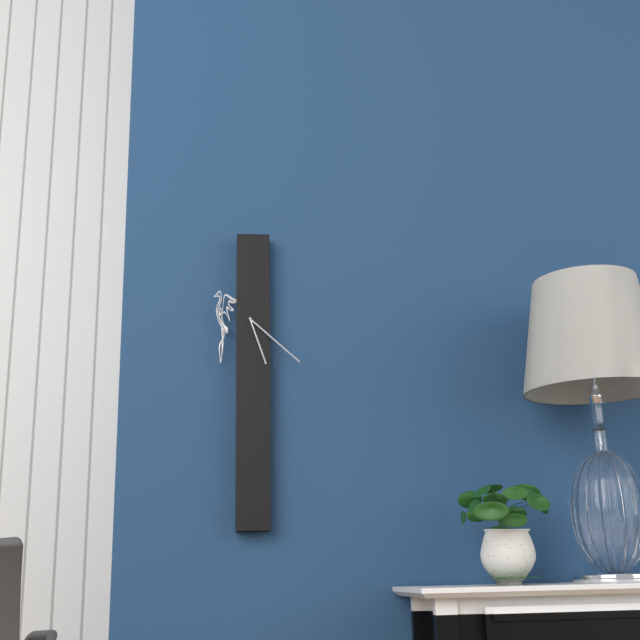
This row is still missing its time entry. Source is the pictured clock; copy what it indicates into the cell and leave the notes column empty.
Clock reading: 5:22
